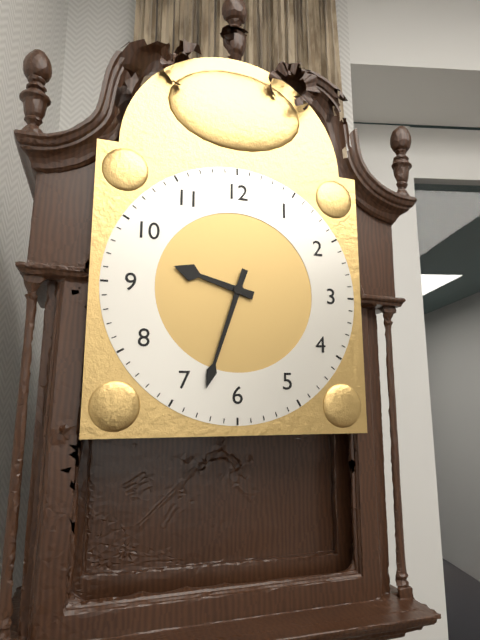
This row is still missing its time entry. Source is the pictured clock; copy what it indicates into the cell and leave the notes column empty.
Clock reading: 9:33
